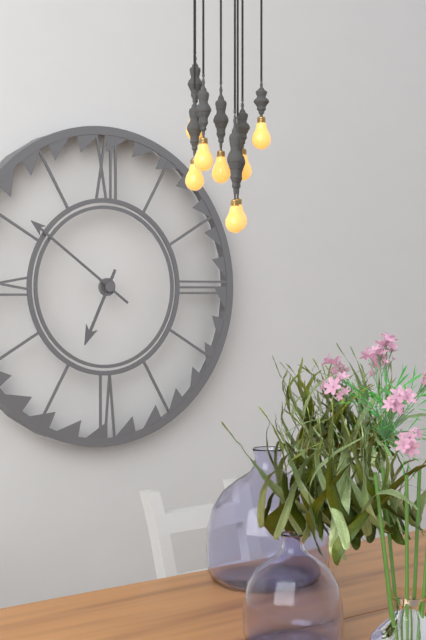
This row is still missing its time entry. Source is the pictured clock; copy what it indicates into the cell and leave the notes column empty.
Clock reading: 6:51
